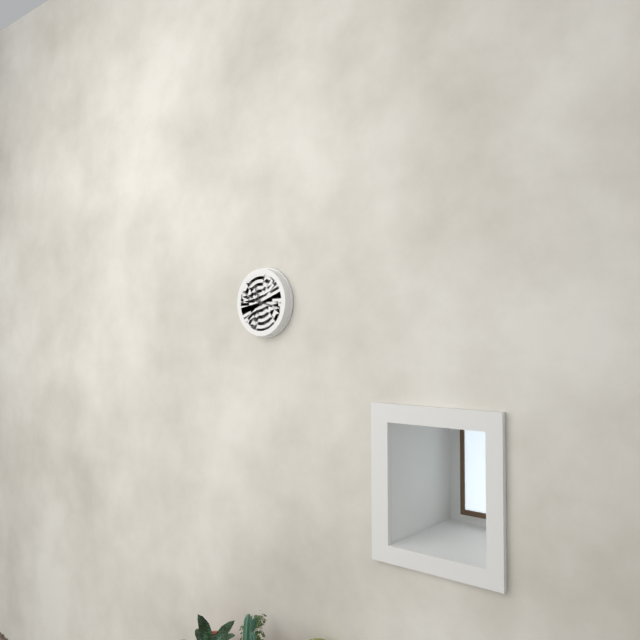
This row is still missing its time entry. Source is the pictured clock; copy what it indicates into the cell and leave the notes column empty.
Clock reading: 11:17
